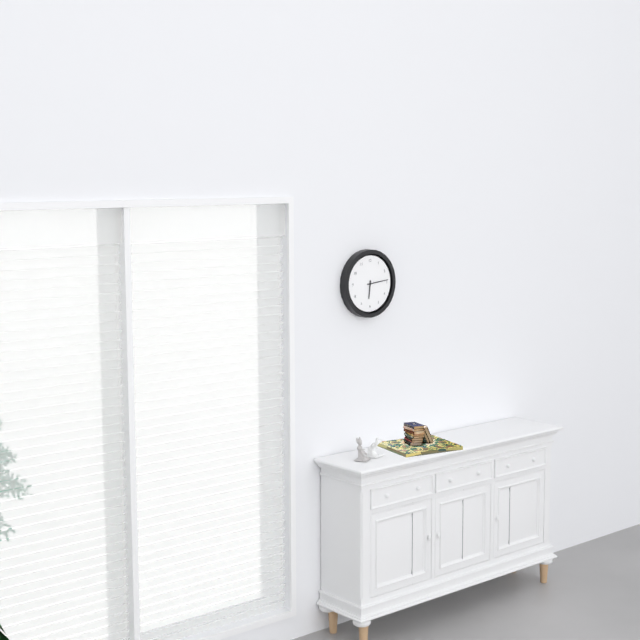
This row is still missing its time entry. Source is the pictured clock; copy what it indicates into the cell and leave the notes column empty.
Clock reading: 6:14
